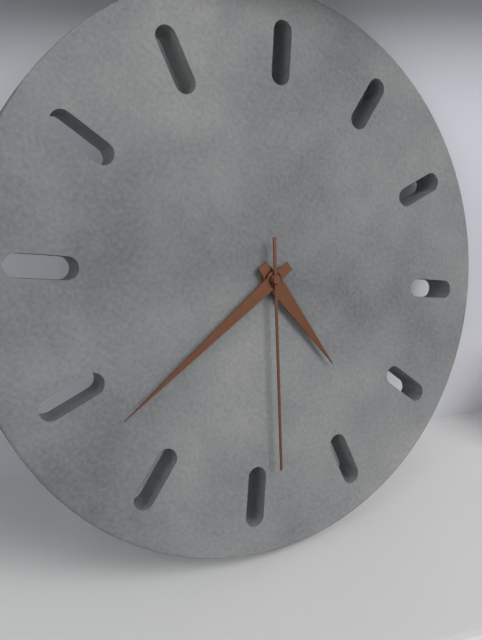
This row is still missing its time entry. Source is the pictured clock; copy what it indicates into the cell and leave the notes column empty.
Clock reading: 3:33:24
